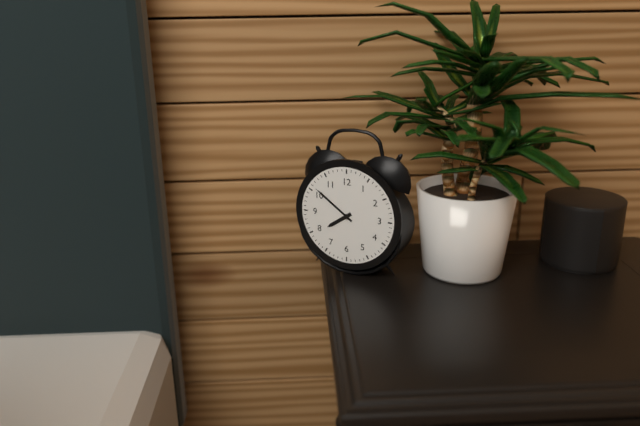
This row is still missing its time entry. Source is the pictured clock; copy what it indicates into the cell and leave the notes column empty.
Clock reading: 7:51
